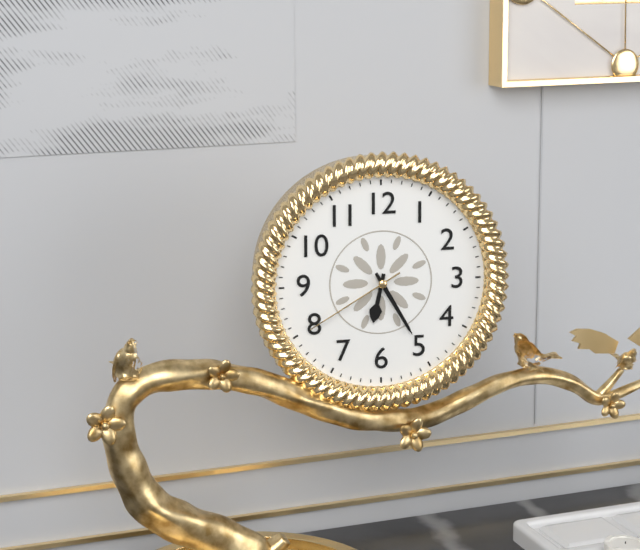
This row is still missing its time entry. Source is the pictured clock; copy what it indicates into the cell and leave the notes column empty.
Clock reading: 6:25:40
